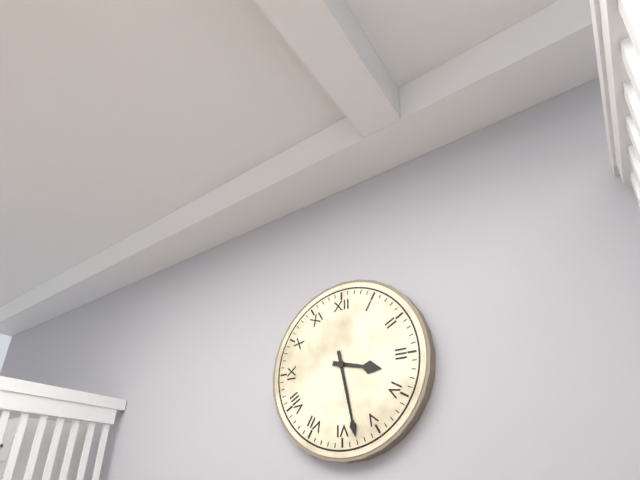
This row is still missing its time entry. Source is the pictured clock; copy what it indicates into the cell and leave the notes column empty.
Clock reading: 3:28
